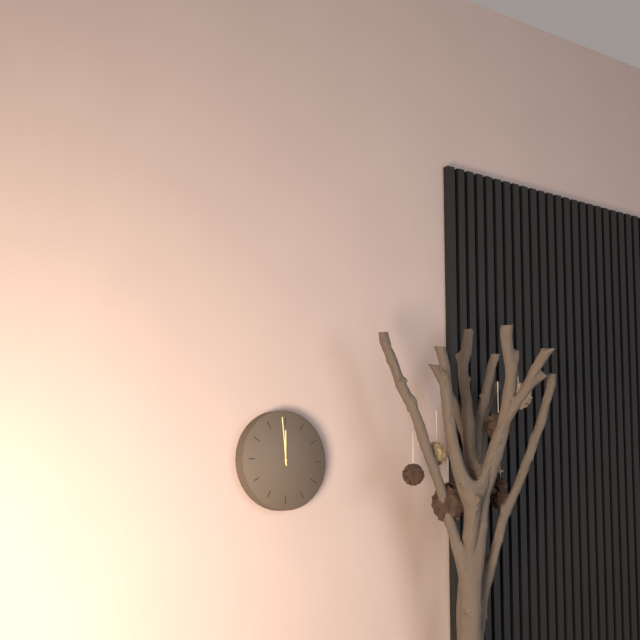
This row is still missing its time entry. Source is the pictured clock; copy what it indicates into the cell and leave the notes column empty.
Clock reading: 11:59
